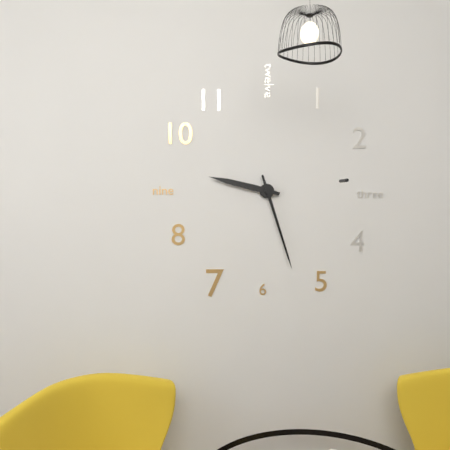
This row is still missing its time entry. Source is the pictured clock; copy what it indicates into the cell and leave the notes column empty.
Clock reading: 9:27
